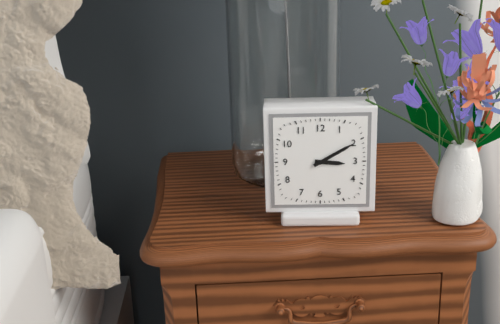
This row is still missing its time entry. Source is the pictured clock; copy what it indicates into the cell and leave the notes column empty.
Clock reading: 3:10
